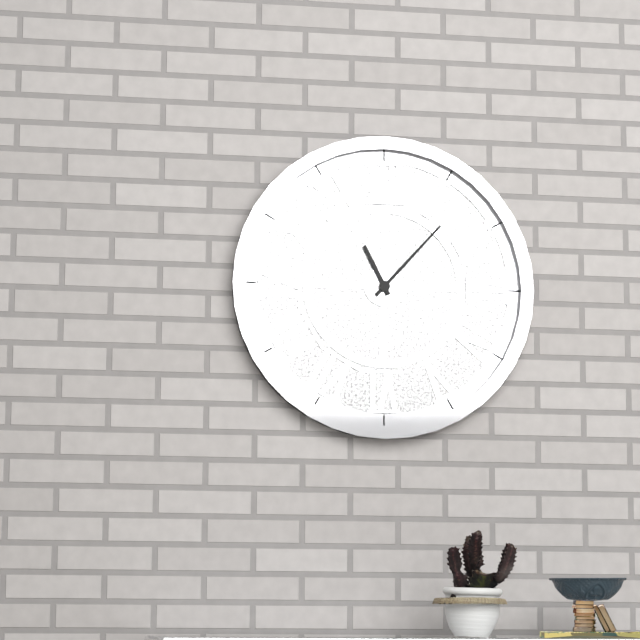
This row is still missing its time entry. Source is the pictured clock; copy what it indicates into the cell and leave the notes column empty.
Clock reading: 11:07
